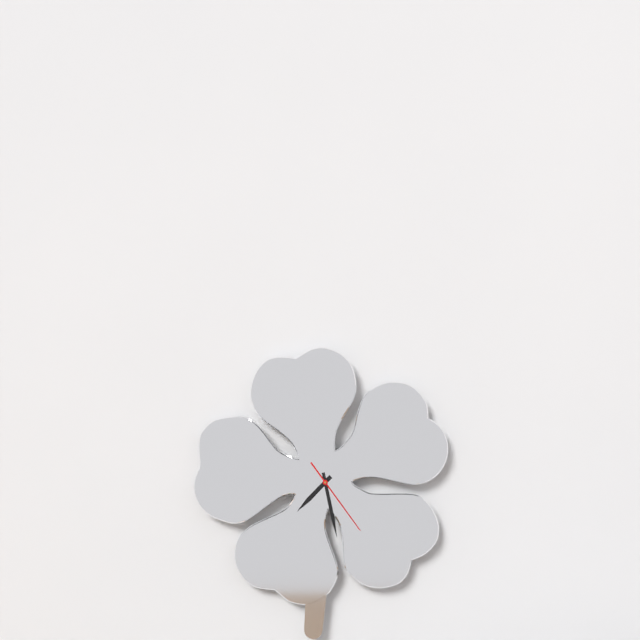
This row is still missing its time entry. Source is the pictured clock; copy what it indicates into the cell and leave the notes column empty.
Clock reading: 7:28:24
